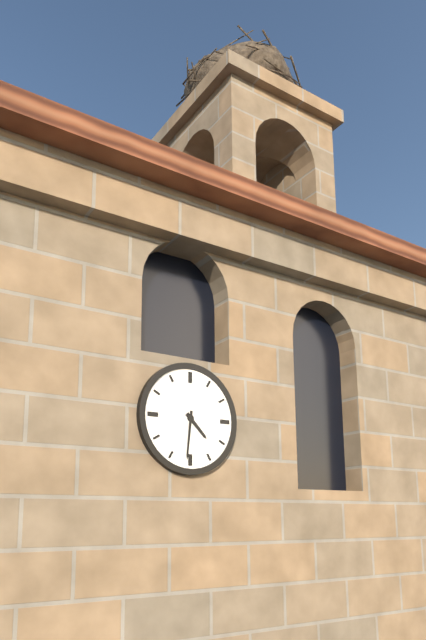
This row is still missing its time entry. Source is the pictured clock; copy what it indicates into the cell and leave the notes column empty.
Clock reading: 4:31
